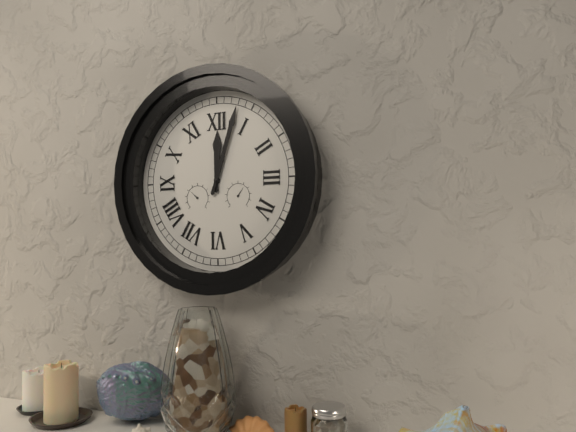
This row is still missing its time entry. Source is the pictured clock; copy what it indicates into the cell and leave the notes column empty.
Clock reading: 12:03
